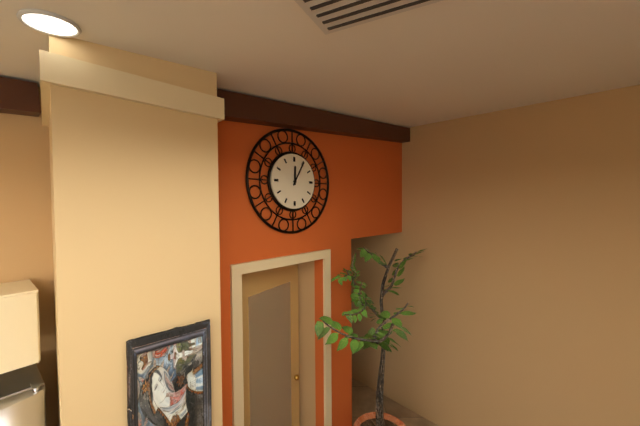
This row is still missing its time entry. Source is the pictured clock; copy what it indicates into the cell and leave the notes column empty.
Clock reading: 12:05
